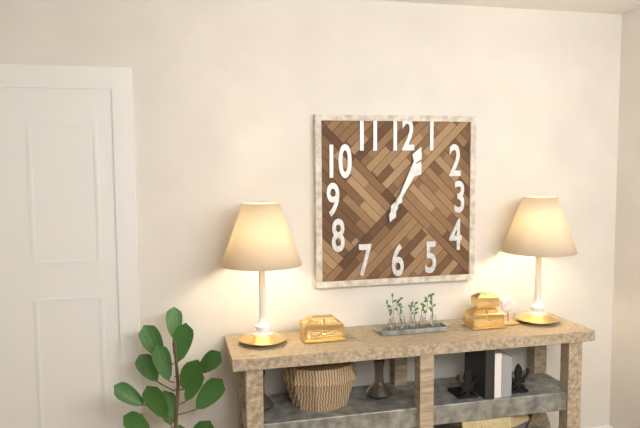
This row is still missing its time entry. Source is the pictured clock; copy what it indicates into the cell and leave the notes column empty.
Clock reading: 1:04
